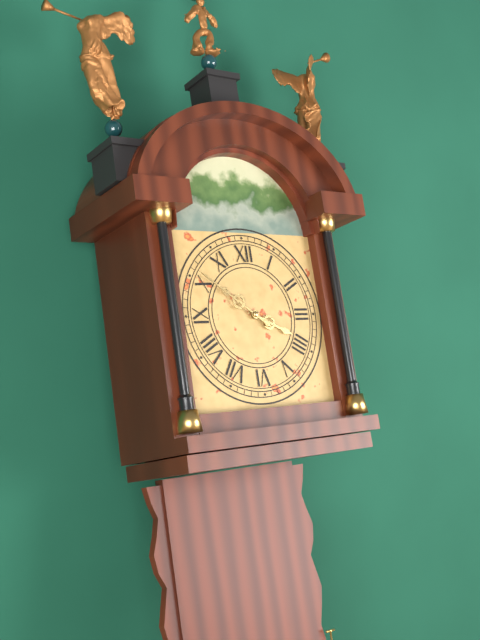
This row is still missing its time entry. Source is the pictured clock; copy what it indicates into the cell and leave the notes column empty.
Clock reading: 3:51
